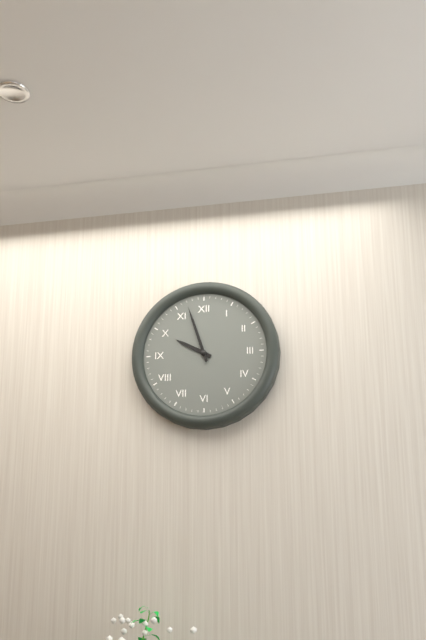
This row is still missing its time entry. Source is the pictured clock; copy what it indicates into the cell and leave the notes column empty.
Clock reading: 9:57
